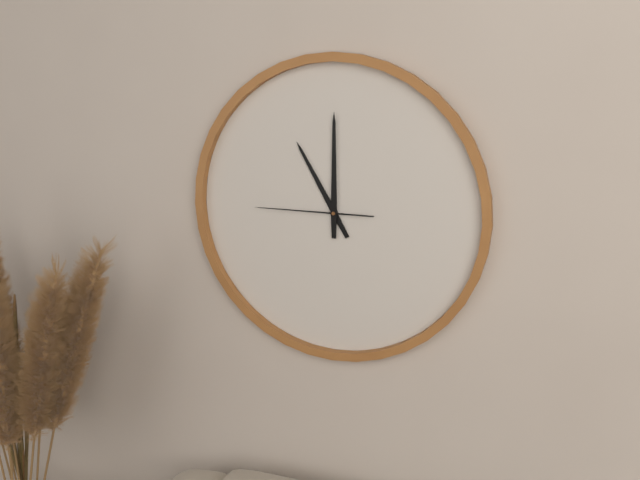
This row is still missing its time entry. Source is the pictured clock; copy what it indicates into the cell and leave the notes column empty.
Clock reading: 11:00:45
